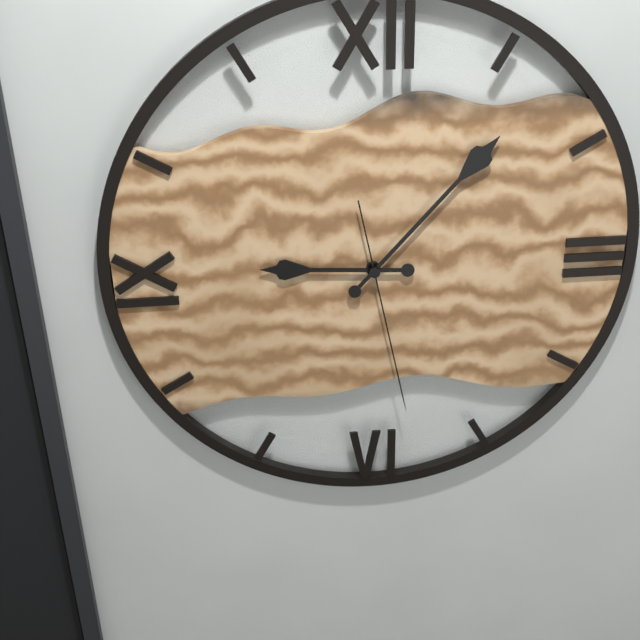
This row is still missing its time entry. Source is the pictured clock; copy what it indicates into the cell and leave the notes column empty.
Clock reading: 9:07:28
